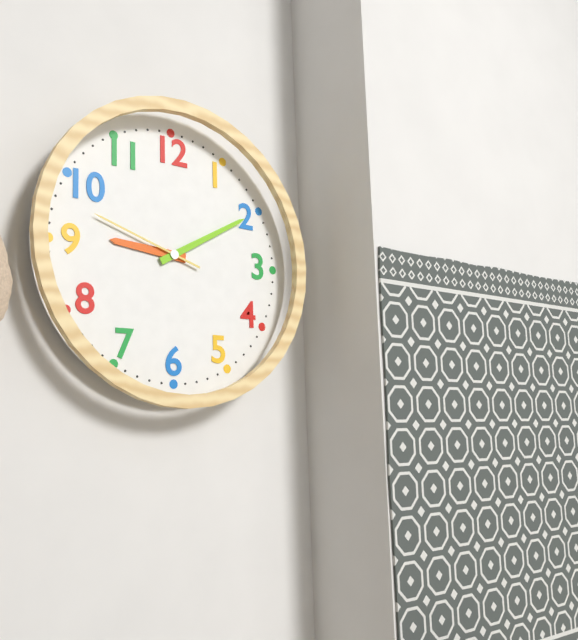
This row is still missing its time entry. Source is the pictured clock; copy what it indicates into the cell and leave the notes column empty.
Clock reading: 9:10:48
